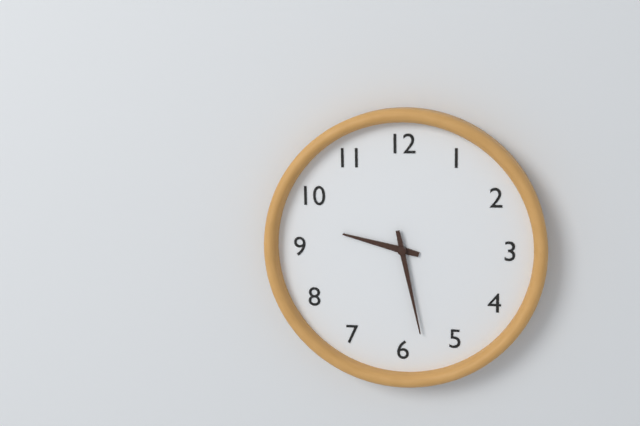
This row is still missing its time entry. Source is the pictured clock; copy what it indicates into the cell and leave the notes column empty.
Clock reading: 9:28
